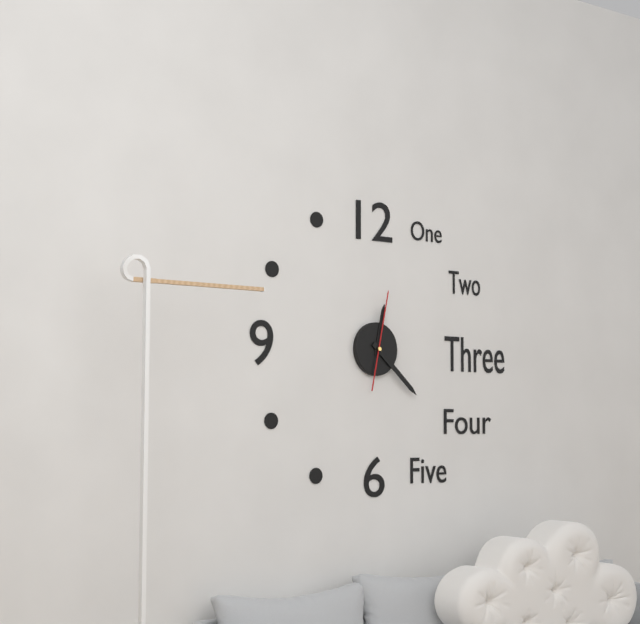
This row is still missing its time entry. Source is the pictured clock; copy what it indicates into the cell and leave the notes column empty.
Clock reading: 12:22:02
